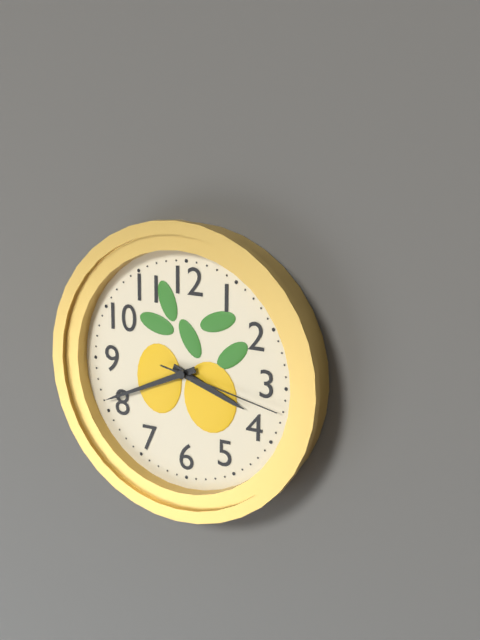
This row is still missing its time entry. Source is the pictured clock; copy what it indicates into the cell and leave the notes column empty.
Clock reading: 3:41:17
